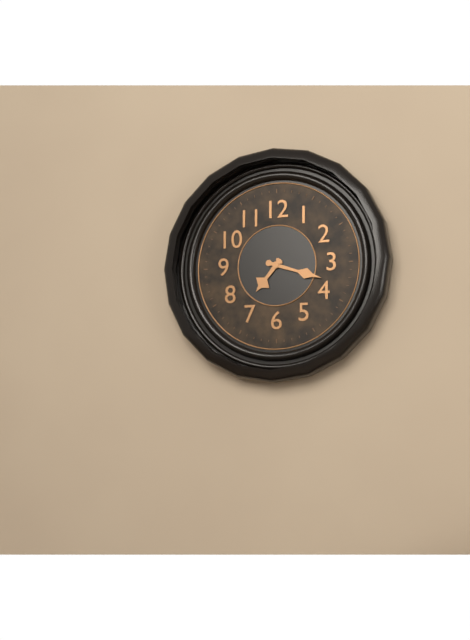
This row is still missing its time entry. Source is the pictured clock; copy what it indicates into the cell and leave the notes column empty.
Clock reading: 7:18
